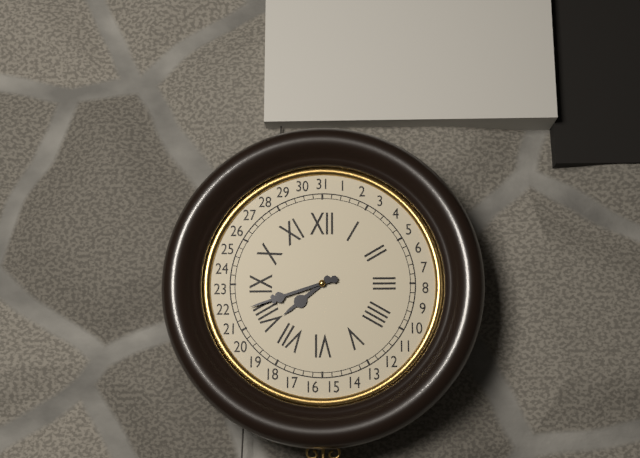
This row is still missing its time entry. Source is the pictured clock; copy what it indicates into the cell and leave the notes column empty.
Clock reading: 7:42
